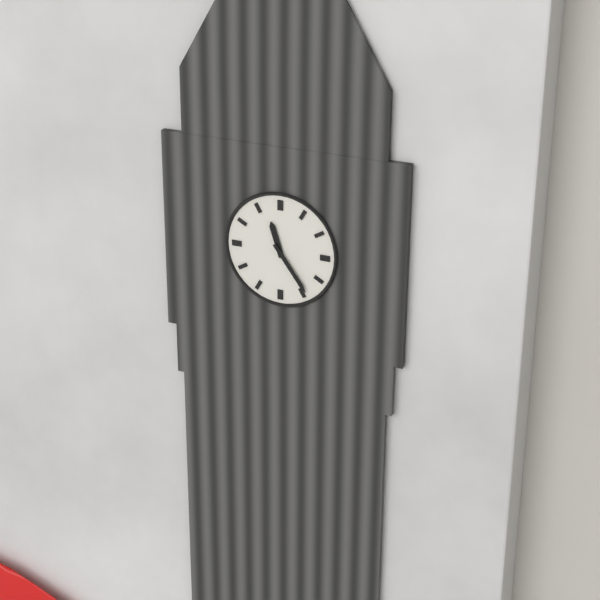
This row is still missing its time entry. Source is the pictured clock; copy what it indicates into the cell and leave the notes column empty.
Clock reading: 11:24
